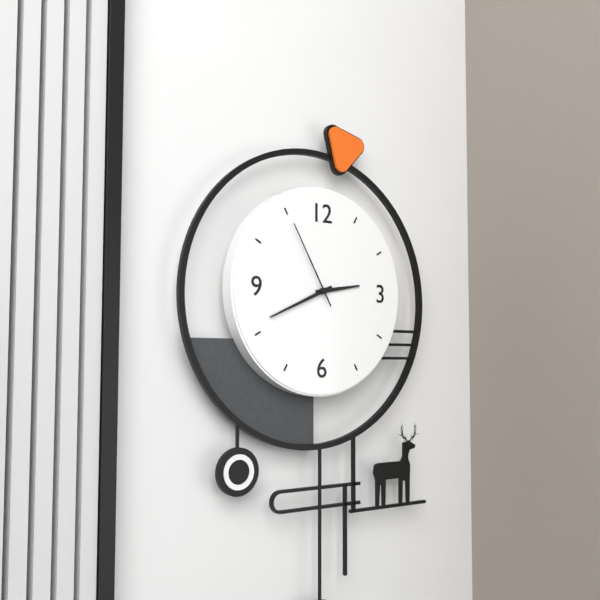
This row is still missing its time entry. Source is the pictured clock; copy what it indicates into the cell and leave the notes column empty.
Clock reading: 2:41:55
